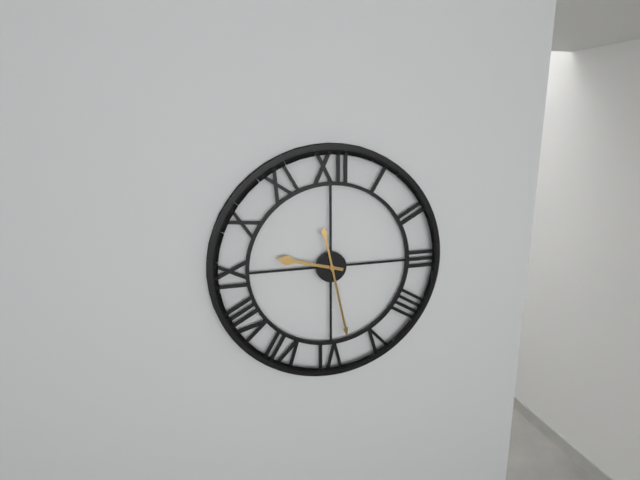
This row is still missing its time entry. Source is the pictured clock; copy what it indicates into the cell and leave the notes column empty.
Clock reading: 9:28
